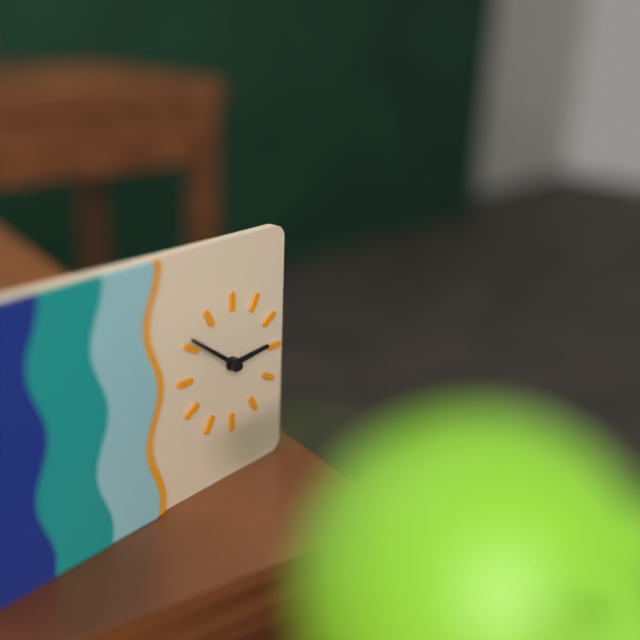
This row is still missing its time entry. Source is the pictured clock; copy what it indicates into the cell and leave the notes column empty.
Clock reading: 2:51
